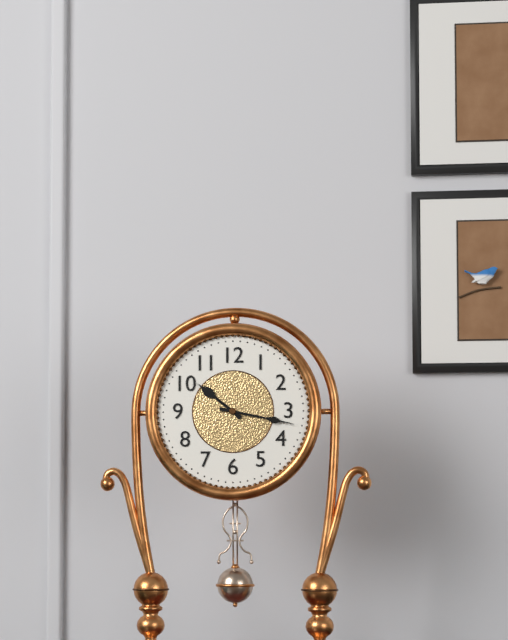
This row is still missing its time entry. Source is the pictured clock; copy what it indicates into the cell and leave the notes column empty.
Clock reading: 10:17
